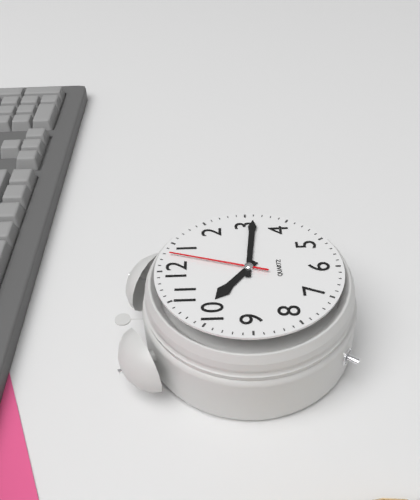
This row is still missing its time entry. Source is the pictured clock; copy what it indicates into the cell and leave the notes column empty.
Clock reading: 10:16:03
